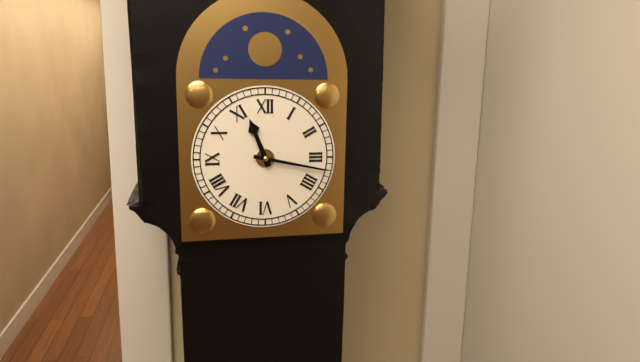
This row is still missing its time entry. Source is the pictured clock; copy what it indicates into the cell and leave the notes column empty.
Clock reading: 11:17
